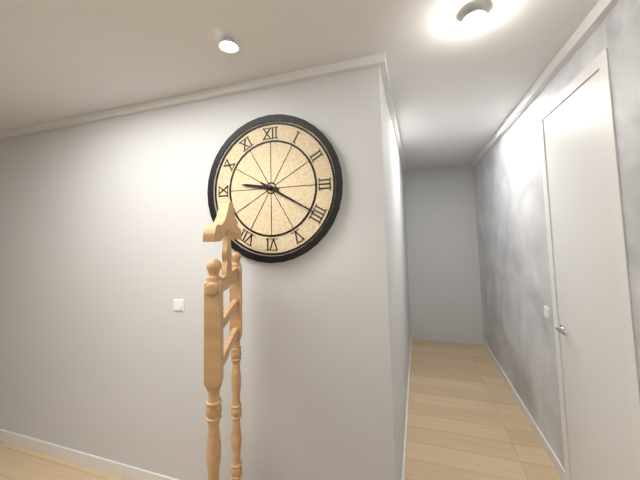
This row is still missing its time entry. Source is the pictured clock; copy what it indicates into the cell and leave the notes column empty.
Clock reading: 9:20
